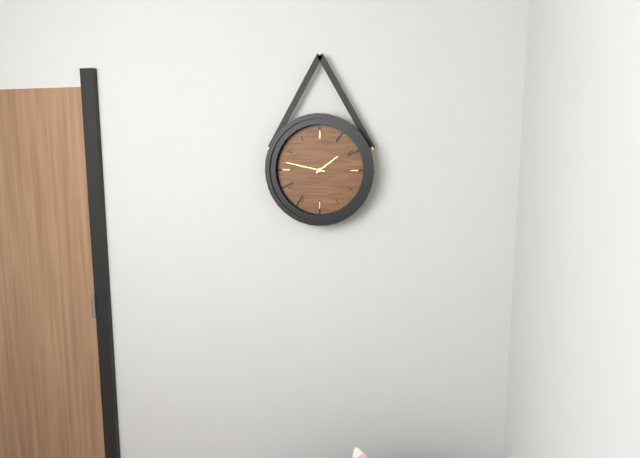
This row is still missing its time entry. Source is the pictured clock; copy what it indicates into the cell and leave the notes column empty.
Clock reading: 1:47
